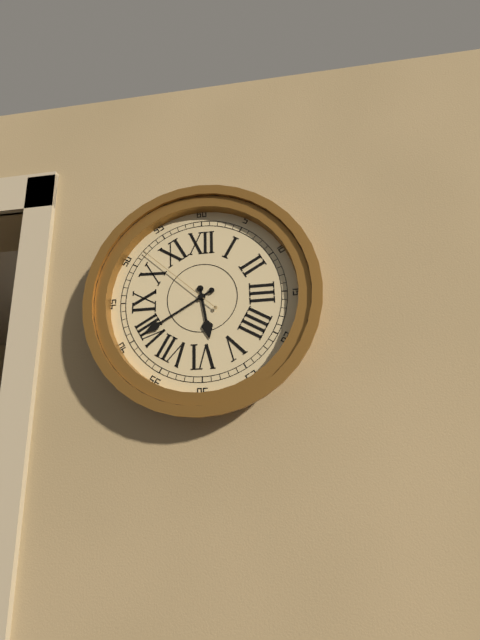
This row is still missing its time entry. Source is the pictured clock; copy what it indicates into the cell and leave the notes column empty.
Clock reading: 5:40:52
